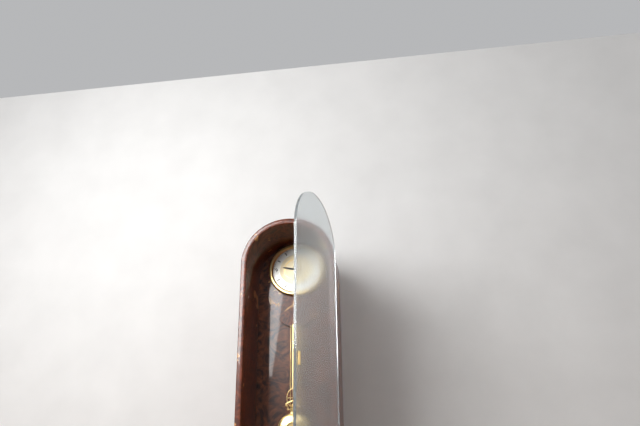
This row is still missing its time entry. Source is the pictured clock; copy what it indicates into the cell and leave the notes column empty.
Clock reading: 9:25
